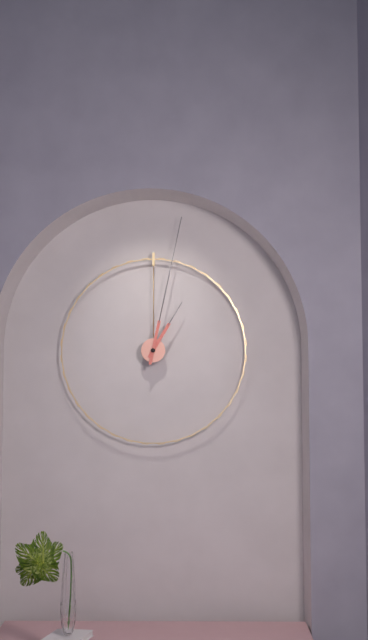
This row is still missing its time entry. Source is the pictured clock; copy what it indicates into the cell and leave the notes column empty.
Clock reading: 1:02
